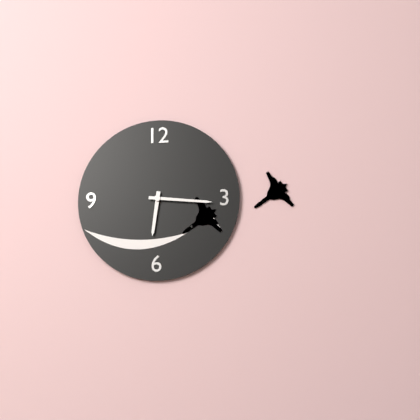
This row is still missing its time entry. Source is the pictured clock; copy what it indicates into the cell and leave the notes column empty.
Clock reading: 6:16
